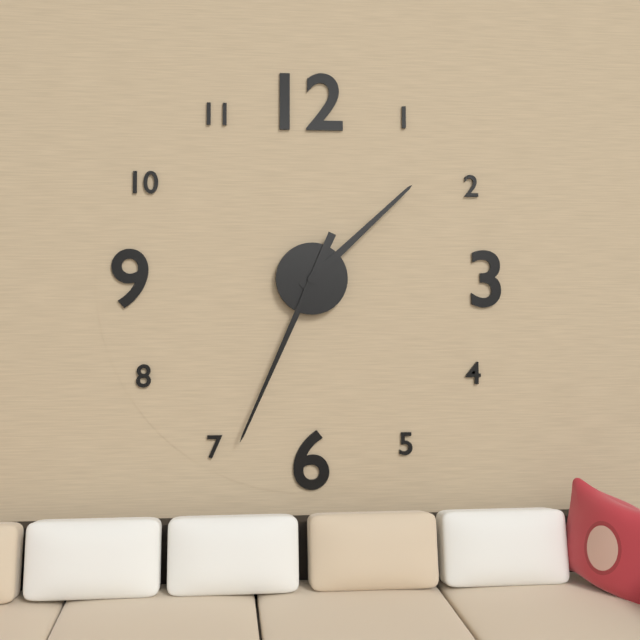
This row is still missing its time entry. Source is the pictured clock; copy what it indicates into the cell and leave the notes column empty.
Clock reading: 1:34
